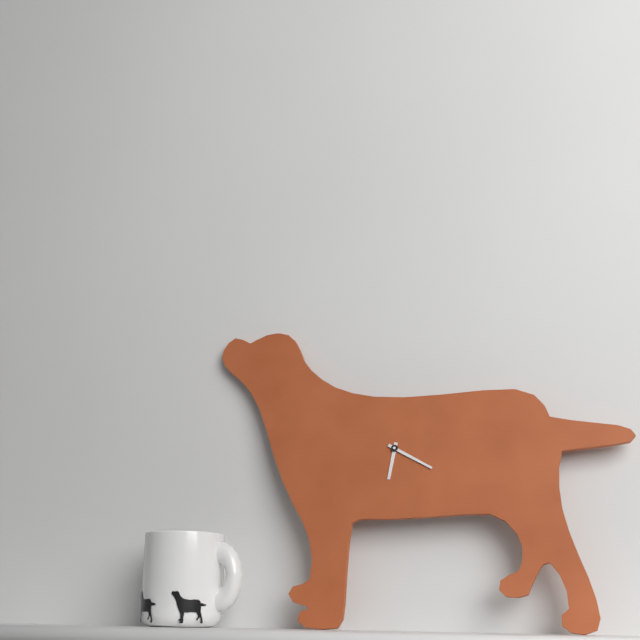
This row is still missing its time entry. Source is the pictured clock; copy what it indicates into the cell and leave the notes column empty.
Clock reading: 6:20
